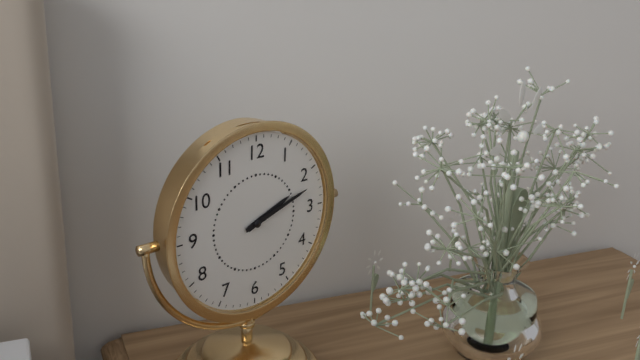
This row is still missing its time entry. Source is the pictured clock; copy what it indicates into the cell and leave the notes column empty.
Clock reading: 2:12
